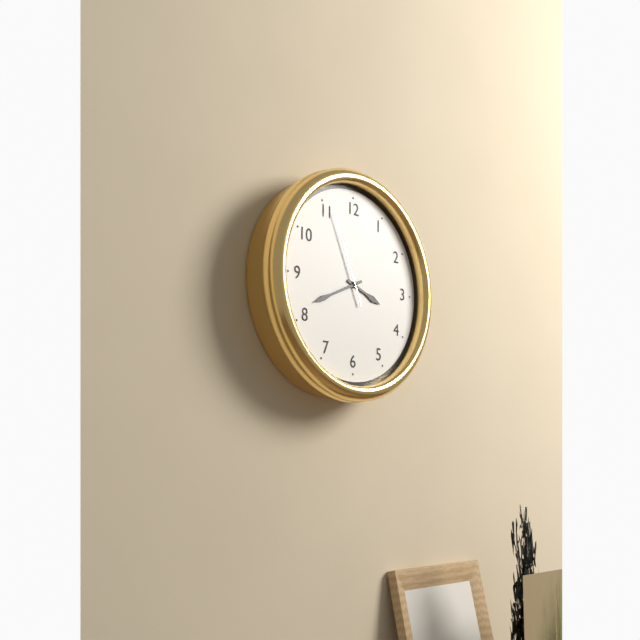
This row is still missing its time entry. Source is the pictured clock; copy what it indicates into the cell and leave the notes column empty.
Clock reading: 3:41:56
